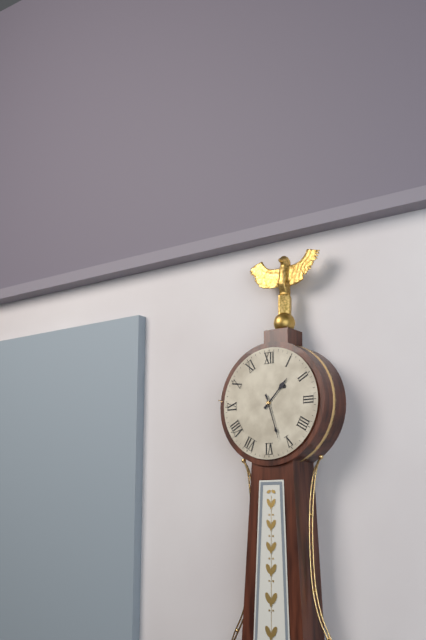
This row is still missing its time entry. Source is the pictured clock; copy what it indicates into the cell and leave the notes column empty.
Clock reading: 1:27
